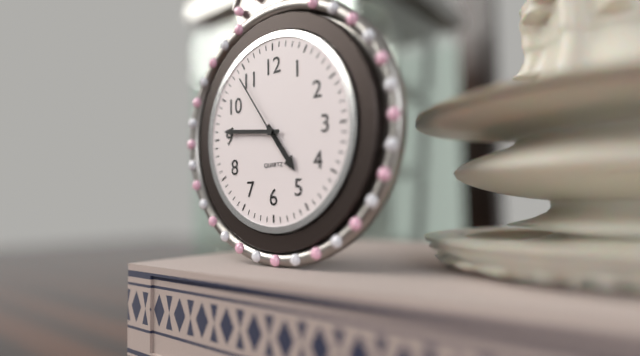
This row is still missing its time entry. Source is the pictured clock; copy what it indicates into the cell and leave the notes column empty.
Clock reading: 4:46:54
